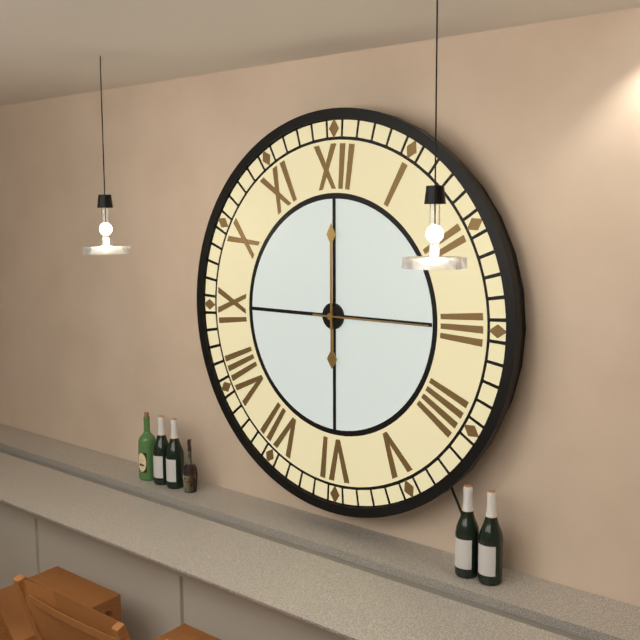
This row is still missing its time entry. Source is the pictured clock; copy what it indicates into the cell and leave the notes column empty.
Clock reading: 6:00:15
